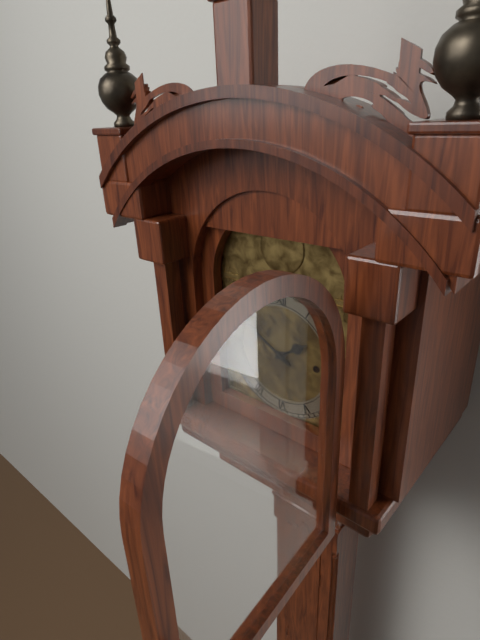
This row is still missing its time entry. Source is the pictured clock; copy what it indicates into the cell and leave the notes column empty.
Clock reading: 1:50
